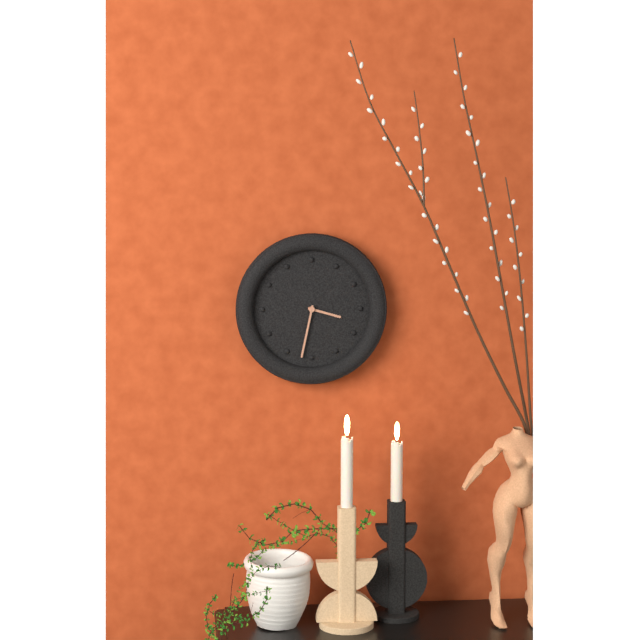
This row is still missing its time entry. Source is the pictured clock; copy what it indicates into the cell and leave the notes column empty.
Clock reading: 3:32
